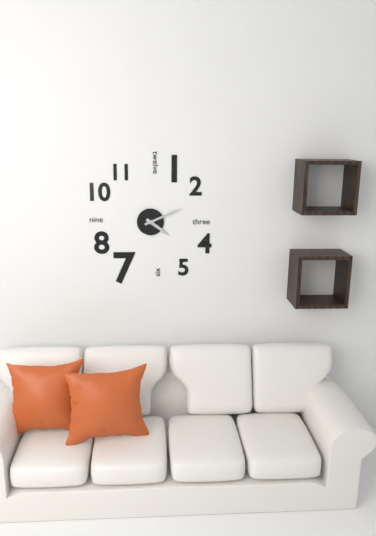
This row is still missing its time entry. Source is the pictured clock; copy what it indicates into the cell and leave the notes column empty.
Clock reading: 4:11
